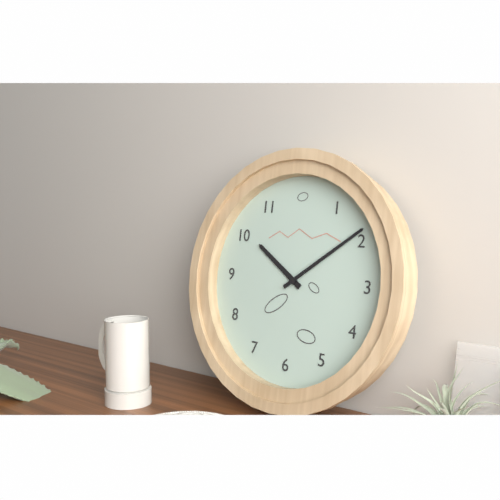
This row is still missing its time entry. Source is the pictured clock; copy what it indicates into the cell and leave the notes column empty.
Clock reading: 10:09
